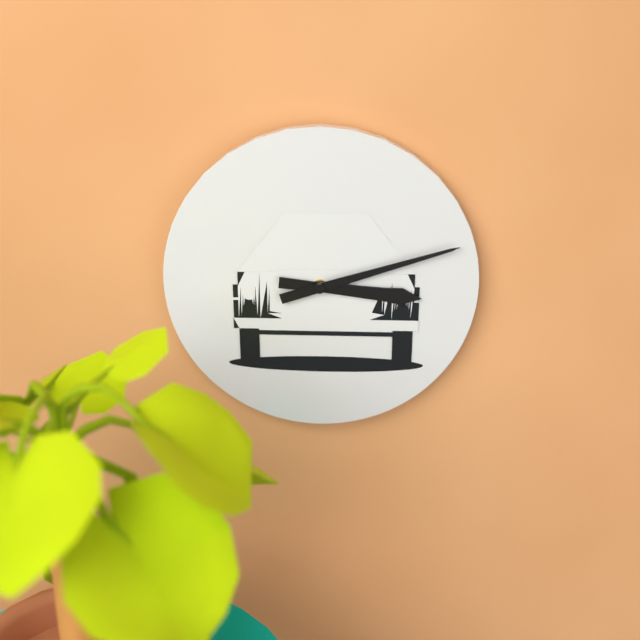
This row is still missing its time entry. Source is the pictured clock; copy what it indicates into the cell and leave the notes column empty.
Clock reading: 3:12
